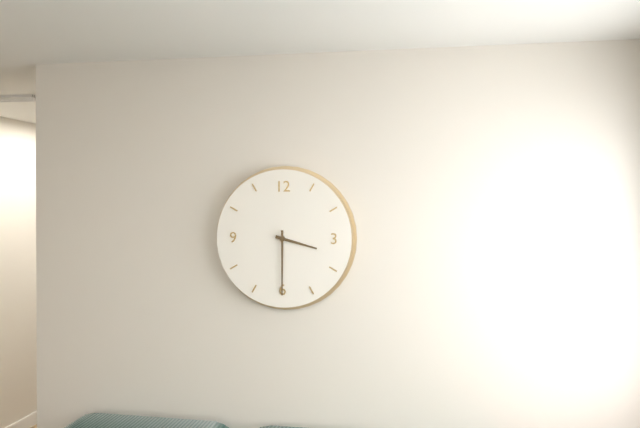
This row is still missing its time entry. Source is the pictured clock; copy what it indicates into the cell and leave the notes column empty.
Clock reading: 3:30
